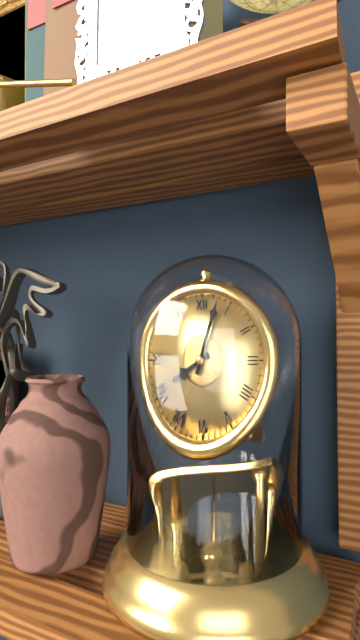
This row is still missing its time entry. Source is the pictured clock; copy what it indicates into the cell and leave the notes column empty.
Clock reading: 8:03
